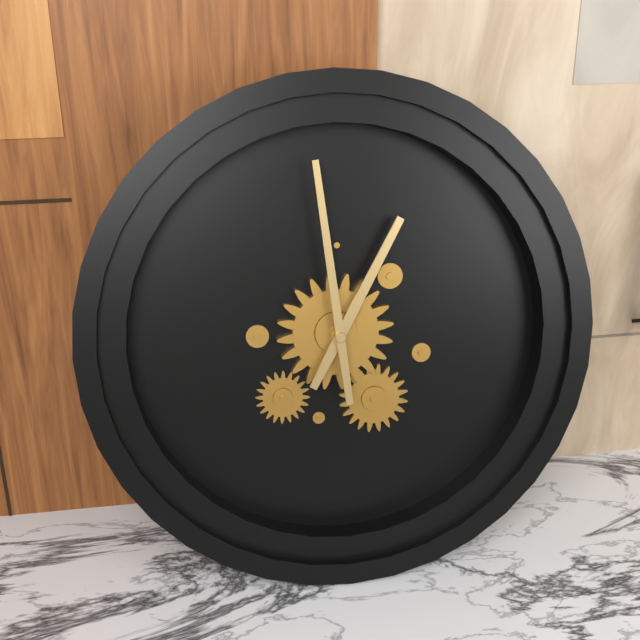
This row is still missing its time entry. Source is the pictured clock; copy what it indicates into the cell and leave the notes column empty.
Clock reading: 12:59
